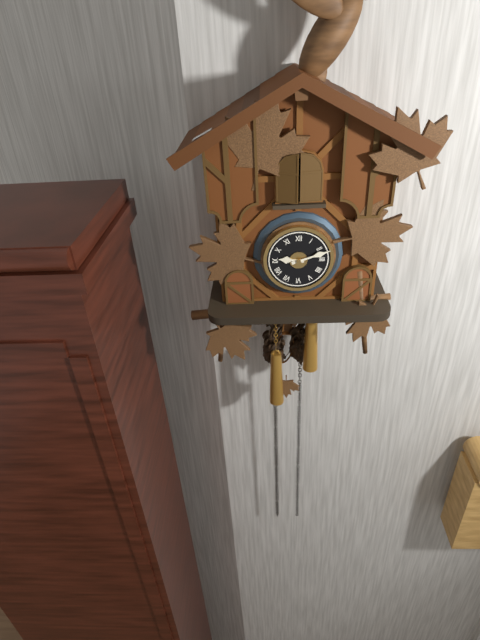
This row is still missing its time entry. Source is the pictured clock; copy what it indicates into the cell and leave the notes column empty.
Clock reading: 9:12
